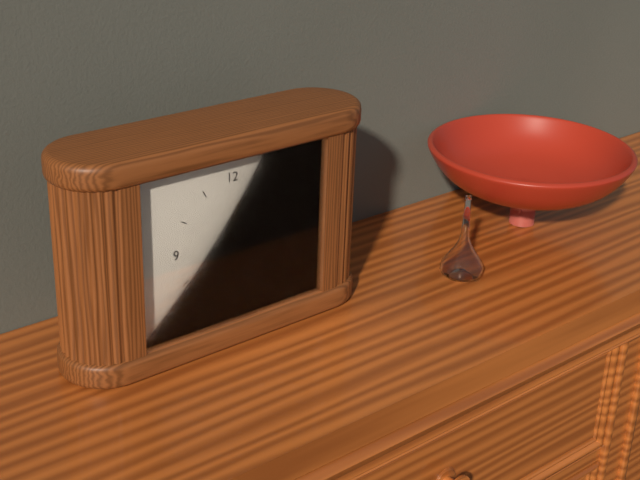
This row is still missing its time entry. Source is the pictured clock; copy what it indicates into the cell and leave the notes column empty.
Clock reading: 12:30
